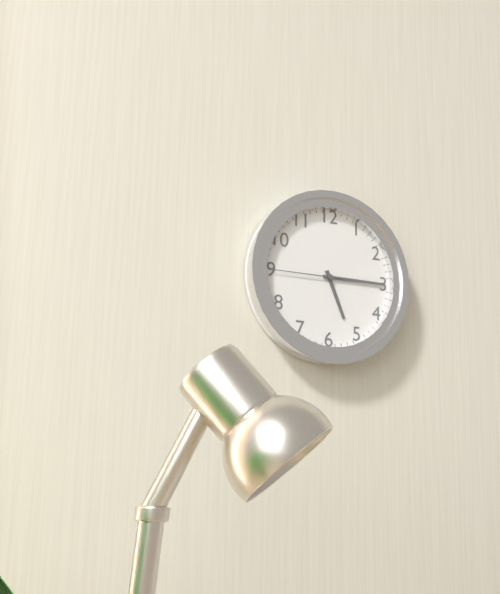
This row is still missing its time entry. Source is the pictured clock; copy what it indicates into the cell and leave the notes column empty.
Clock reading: 5:15:45
